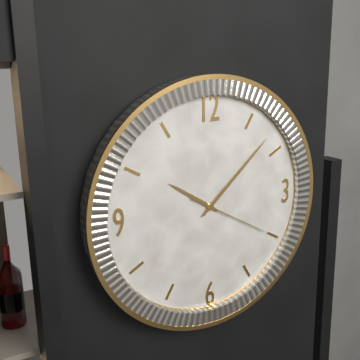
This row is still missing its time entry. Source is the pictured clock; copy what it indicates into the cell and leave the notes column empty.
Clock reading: 10:08:20
